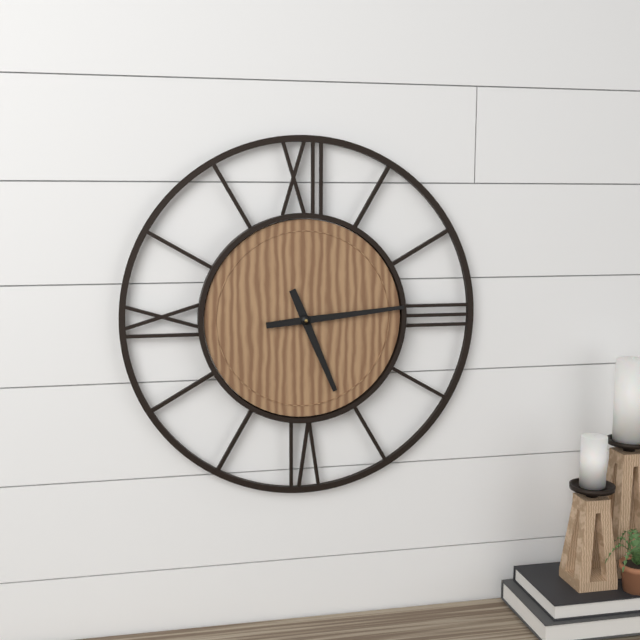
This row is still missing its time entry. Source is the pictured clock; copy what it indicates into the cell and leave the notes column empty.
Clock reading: 5:14
